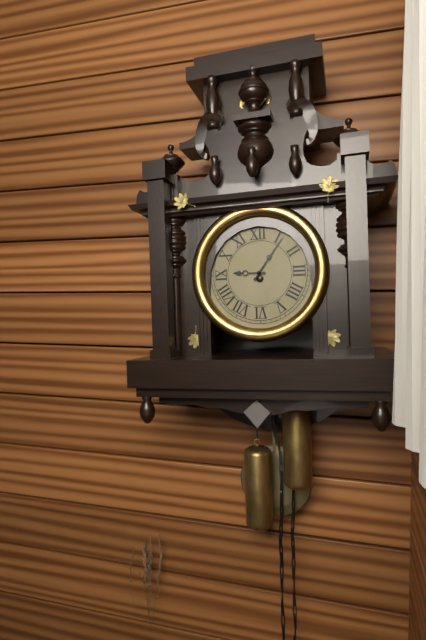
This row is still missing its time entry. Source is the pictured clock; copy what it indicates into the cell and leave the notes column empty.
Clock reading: 9:06
